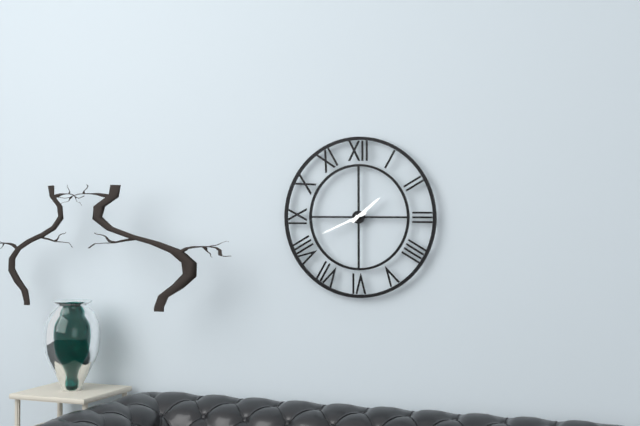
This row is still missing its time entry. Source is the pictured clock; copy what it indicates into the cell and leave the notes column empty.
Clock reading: 1:41
